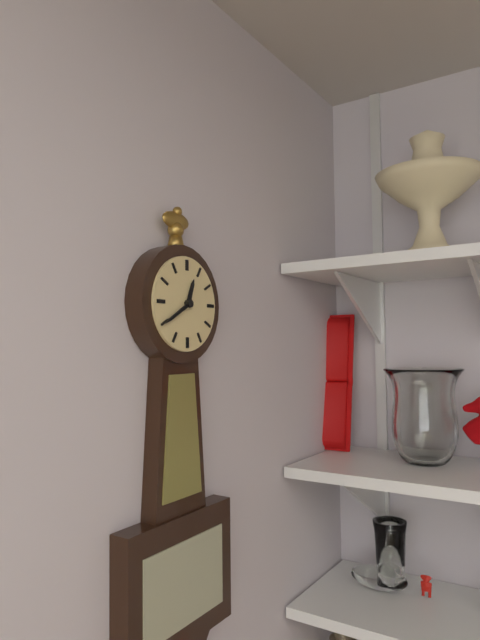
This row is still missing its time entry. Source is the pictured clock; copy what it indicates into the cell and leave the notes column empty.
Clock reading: 12:40
